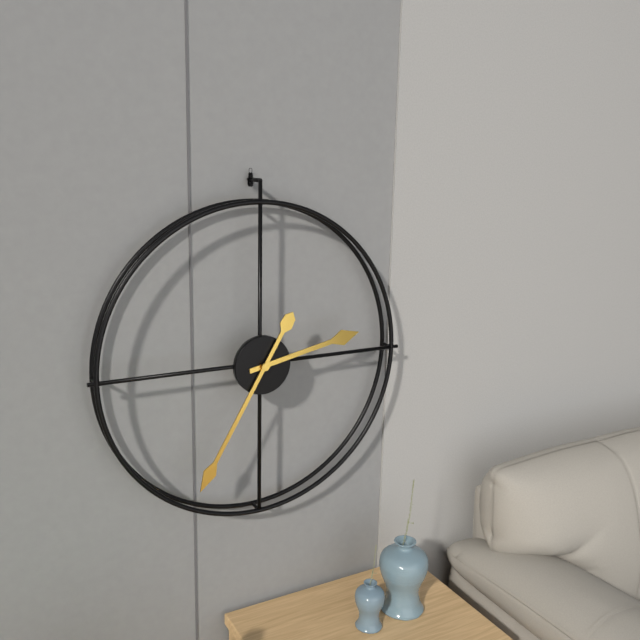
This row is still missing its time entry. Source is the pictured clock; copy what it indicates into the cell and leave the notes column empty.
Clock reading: 2:35
